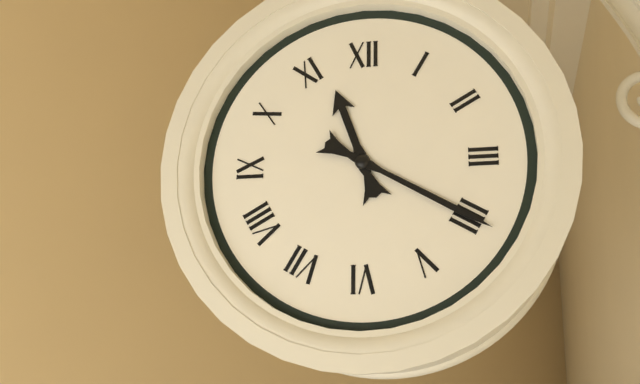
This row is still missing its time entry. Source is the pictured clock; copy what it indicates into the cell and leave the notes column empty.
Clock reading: 11:20
